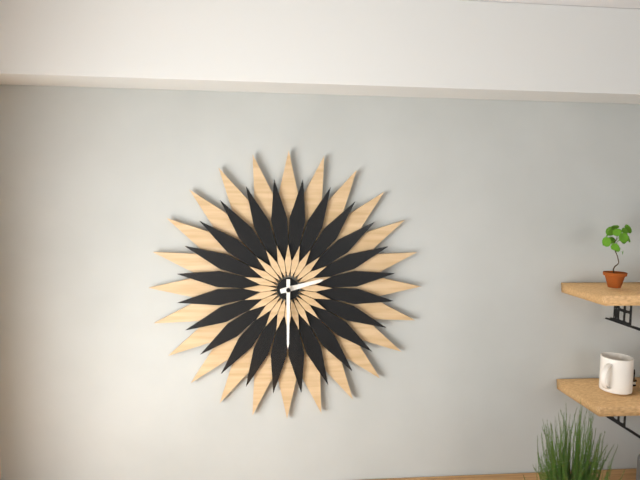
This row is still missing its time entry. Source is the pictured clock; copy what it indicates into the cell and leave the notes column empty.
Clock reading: 2:30
